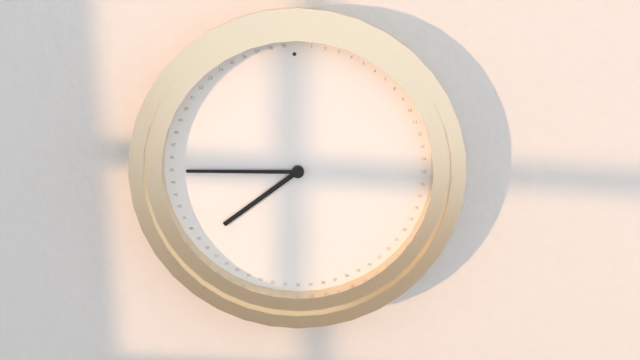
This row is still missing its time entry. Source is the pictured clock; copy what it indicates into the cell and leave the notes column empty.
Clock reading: 7:45
